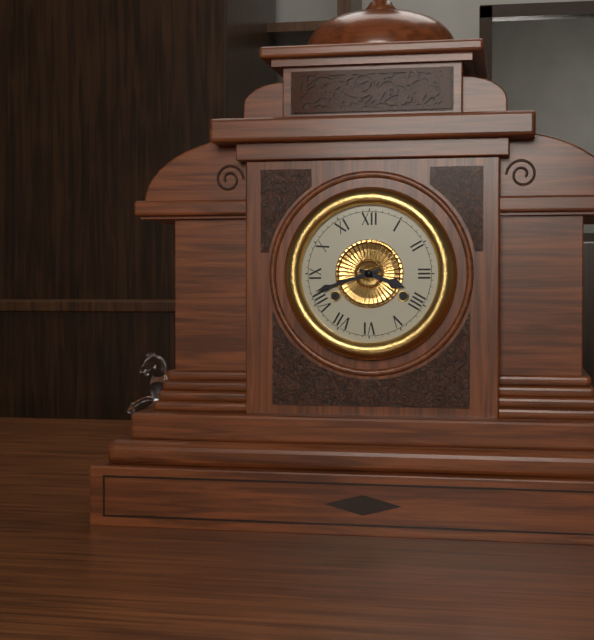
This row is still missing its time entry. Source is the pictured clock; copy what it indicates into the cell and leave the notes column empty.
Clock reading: 3:42
